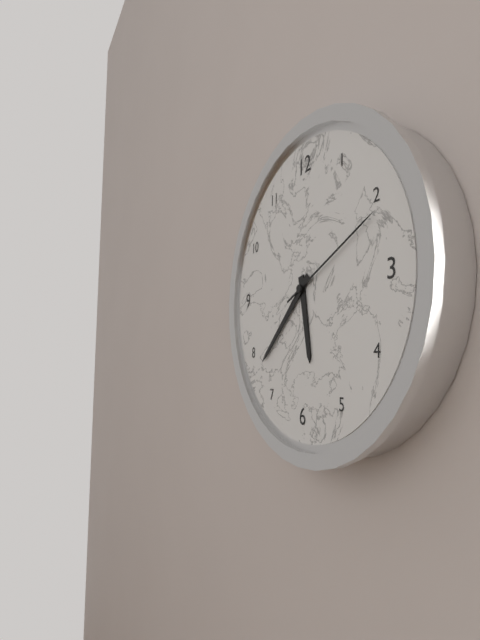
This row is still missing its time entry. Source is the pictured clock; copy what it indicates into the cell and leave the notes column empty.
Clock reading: 5:38:11
